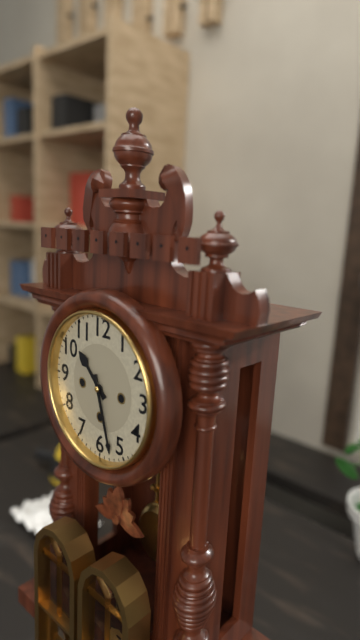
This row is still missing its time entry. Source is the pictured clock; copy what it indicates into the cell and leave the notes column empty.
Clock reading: 10:27
